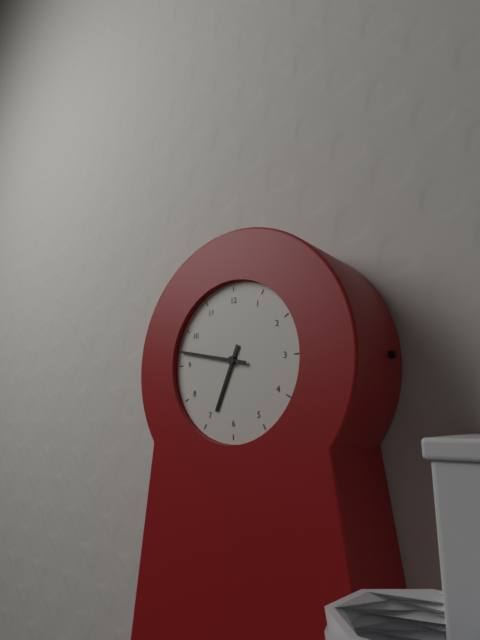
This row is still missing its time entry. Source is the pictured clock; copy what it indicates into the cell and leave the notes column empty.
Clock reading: 6:47
